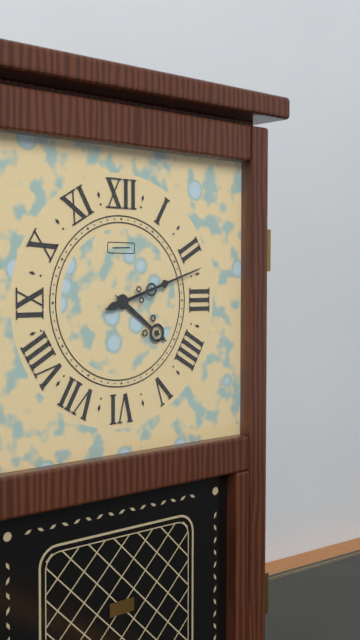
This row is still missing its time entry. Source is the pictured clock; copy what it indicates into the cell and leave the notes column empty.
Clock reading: 4:12
